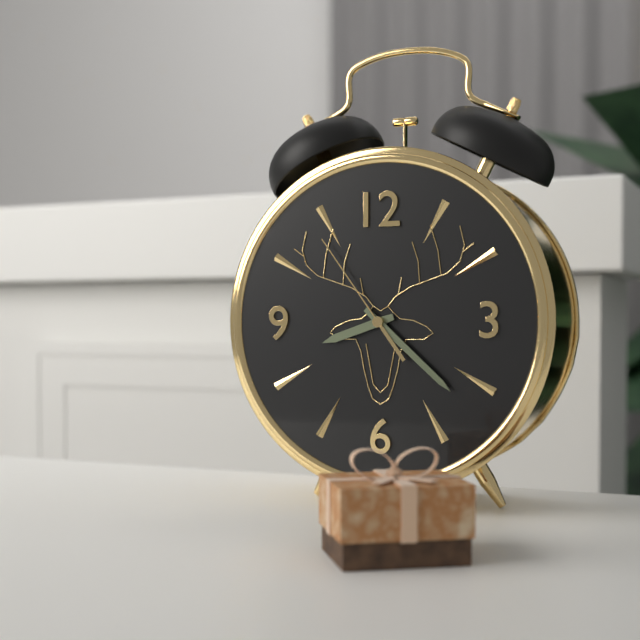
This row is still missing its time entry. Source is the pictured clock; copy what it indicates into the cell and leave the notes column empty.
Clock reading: 8:22:54
